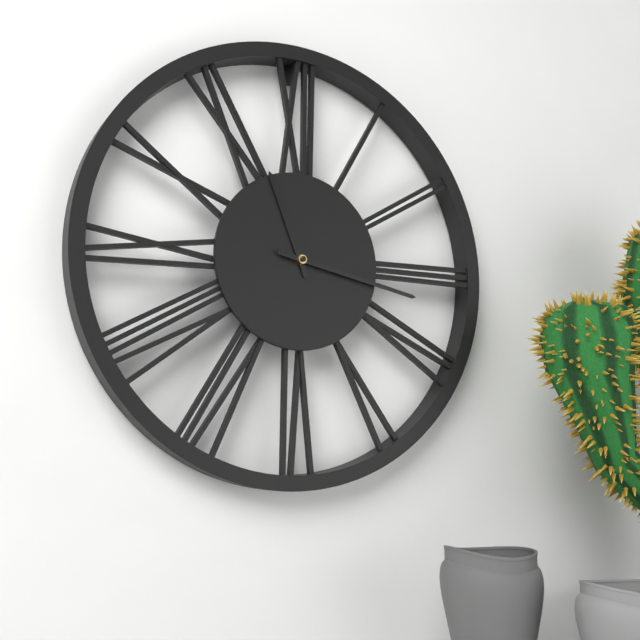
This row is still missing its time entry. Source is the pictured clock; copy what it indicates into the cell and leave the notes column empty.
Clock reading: 11:17
